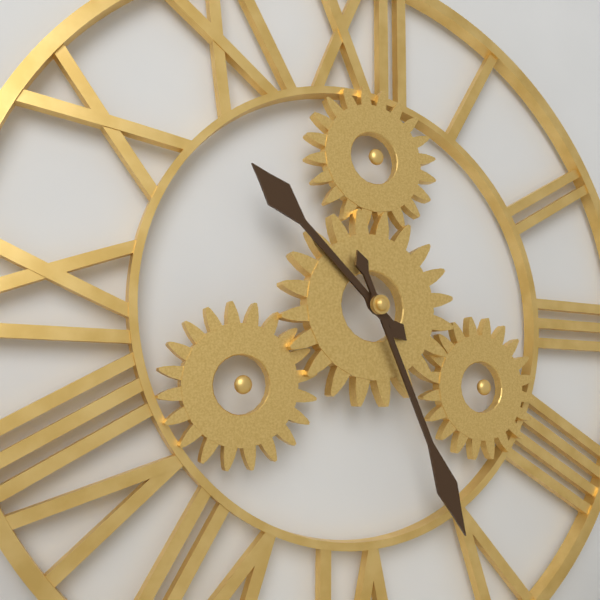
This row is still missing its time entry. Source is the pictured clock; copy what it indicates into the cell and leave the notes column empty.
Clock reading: 10:26
